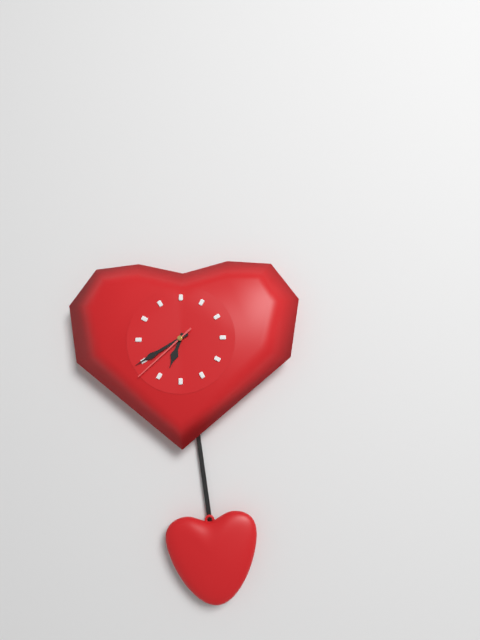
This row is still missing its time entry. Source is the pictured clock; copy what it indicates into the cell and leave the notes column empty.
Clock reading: 6:40:38
